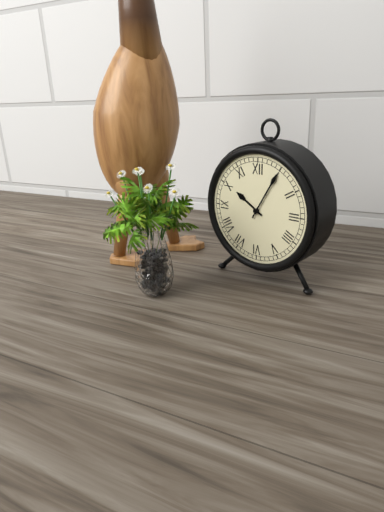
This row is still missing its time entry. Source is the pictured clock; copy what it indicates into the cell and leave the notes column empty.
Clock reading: 10:05
